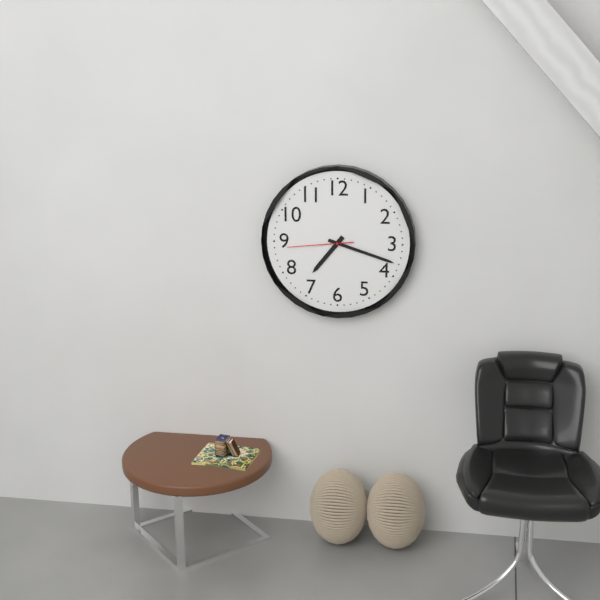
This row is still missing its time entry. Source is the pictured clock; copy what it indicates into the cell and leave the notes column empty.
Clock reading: 7:18:44
